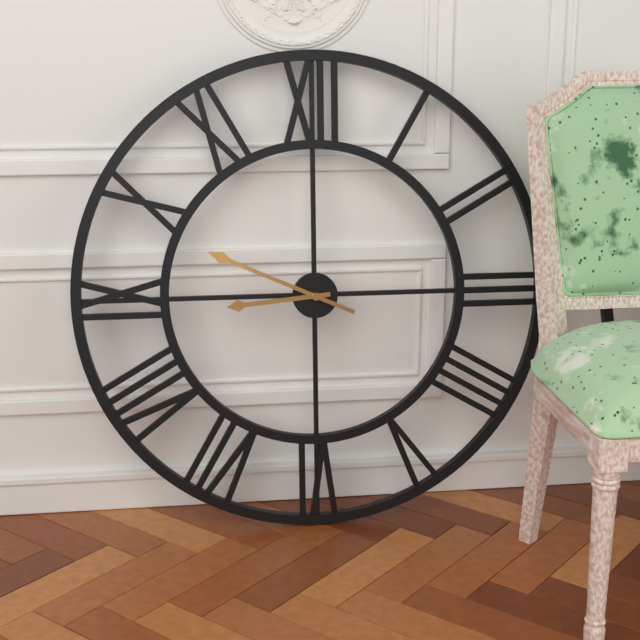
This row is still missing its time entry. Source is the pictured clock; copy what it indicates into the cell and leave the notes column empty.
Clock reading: 8:49
